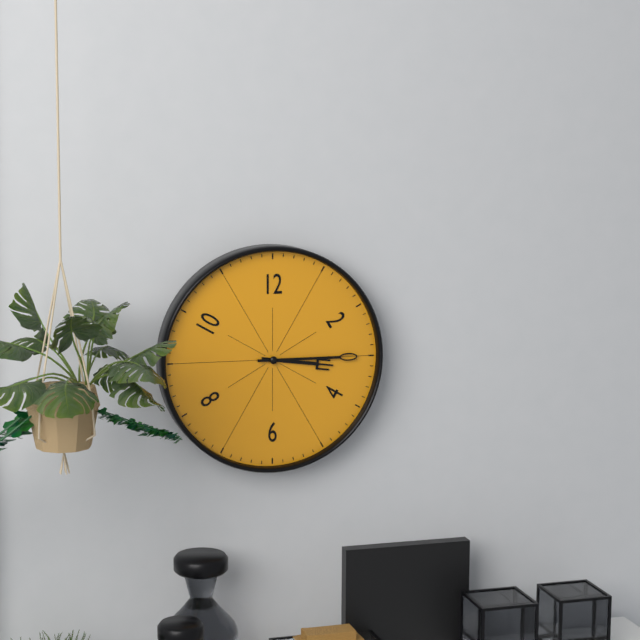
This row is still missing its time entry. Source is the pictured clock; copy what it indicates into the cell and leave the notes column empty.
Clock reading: 3:15
